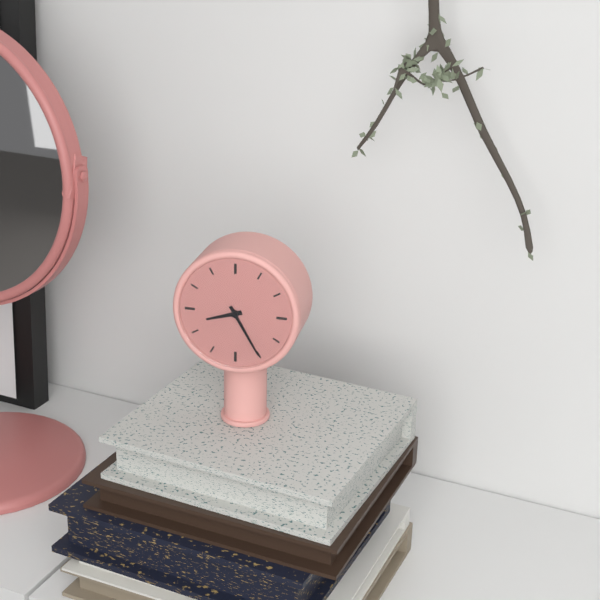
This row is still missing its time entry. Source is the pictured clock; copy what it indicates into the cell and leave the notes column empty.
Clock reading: 8:25
